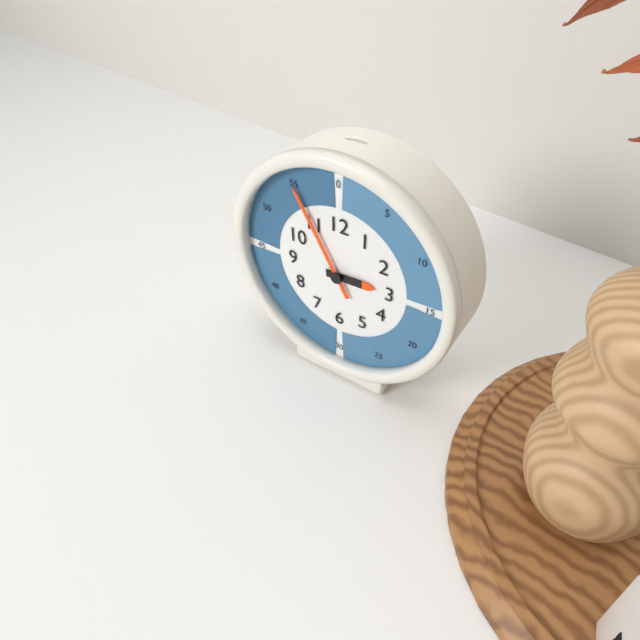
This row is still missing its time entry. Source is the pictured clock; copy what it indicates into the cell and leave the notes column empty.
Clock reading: 2:55
